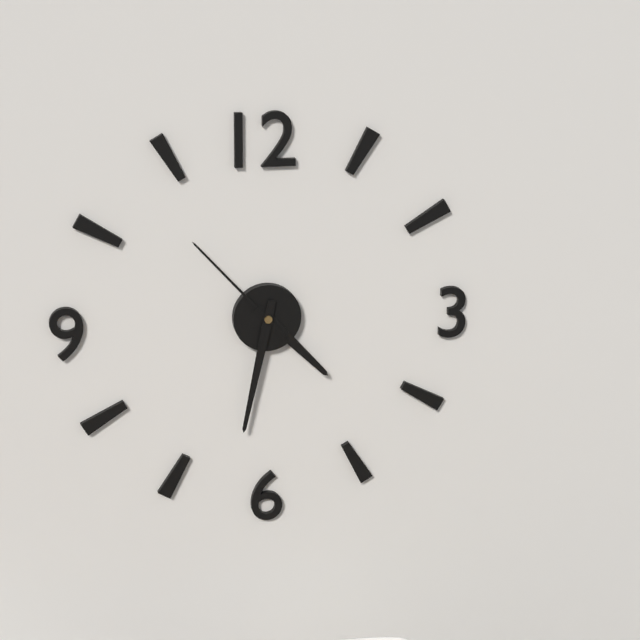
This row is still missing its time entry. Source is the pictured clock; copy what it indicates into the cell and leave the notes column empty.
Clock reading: 4:32:53
